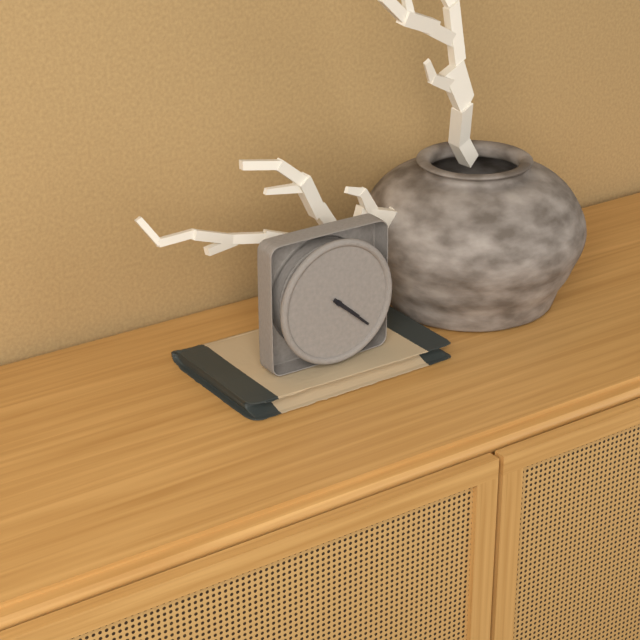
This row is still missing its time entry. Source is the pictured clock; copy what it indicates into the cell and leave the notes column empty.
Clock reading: 4:22
